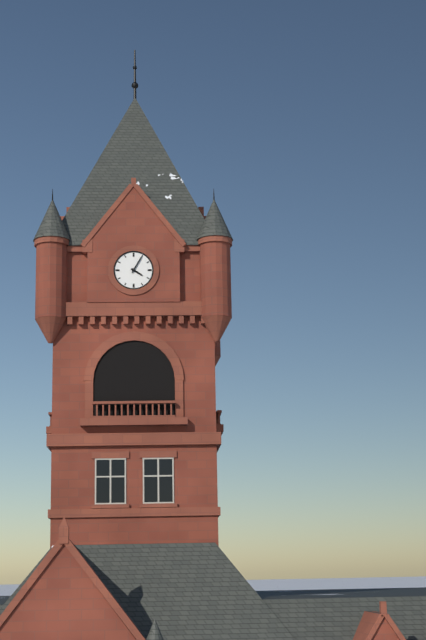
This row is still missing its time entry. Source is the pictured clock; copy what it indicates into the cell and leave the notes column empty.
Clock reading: 4:05
